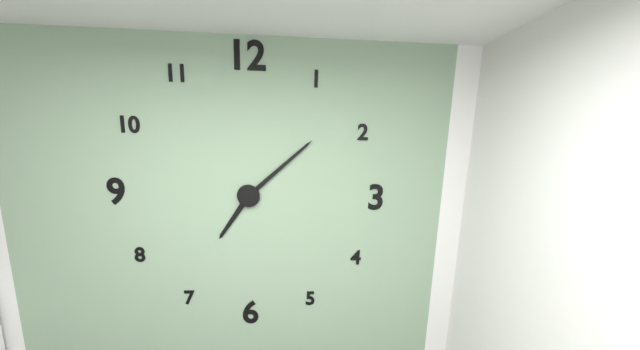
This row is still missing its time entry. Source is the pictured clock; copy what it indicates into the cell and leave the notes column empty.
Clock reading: 7:08
